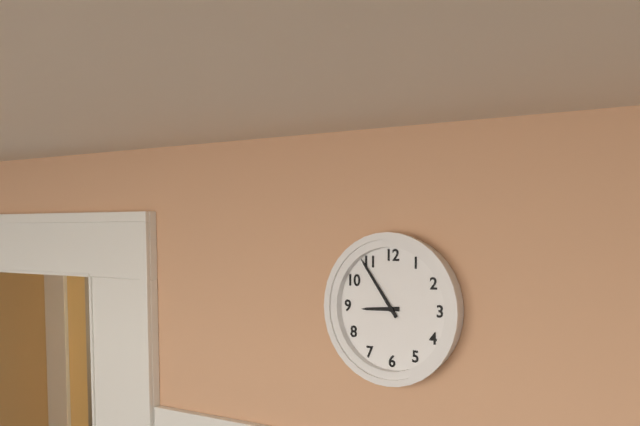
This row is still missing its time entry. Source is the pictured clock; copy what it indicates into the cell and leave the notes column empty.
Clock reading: 8:54
